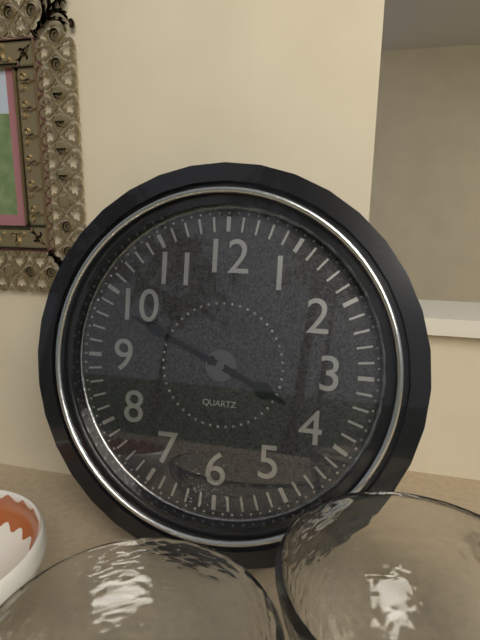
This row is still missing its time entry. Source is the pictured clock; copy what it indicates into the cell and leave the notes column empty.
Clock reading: 3:49
